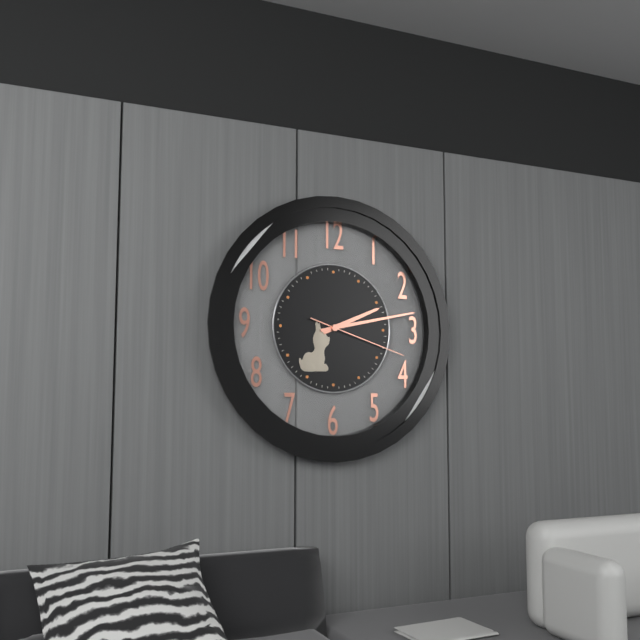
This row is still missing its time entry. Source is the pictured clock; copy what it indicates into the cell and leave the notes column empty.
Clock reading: 2:13:18
